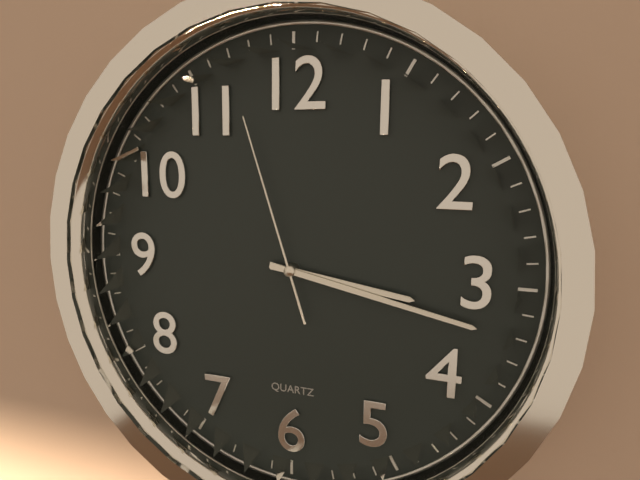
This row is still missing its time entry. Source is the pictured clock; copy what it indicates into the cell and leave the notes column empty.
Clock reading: 3:17:57
